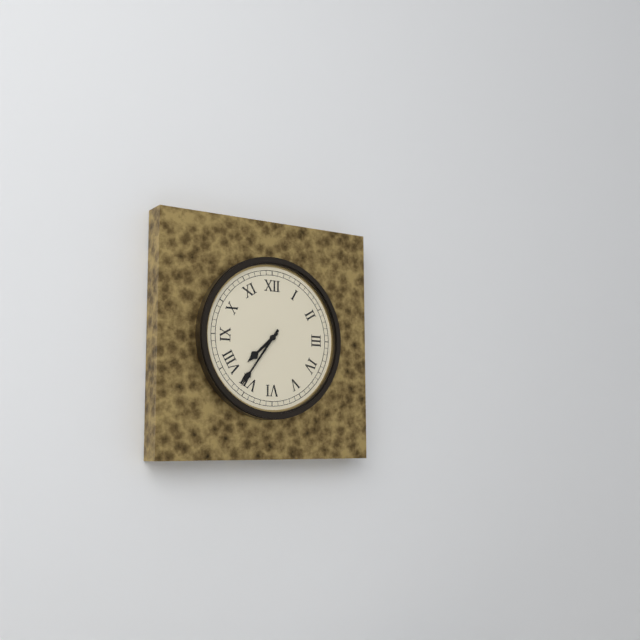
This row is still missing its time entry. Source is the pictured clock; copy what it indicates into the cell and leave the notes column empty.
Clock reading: 7:36
